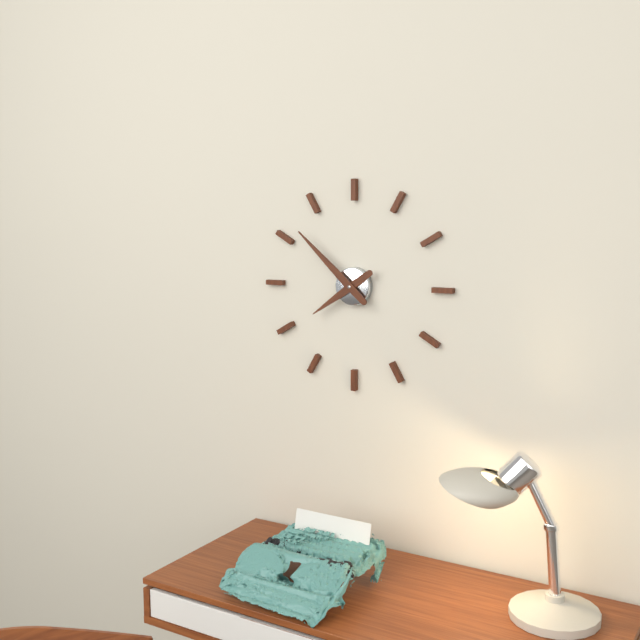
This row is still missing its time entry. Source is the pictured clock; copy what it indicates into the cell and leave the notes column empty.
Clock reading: 7:52
